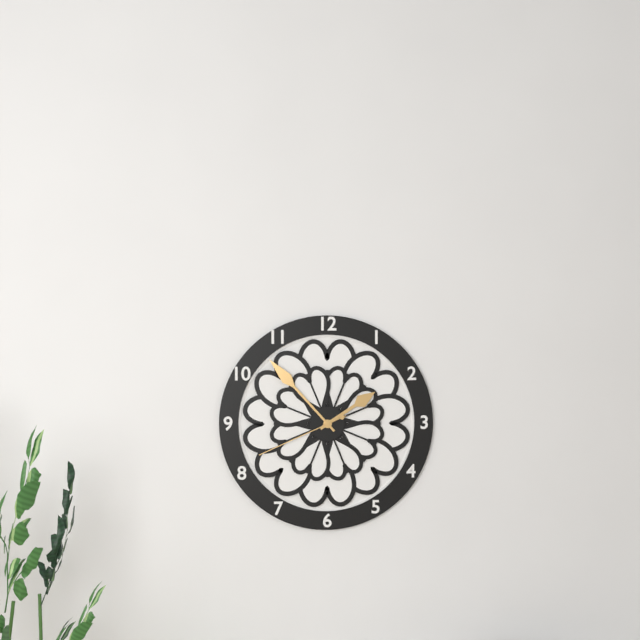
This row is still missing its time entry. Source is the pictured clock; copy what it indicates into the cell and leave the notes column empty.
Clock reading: 1:53:41
